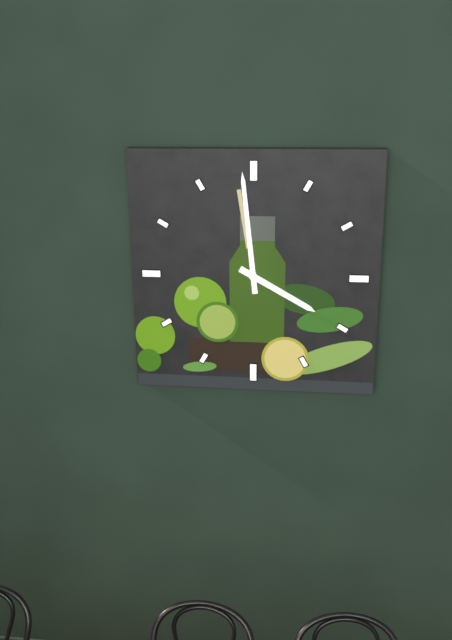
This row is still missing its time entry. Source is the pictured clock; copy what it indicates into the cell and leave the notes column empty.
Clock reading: 3:59
